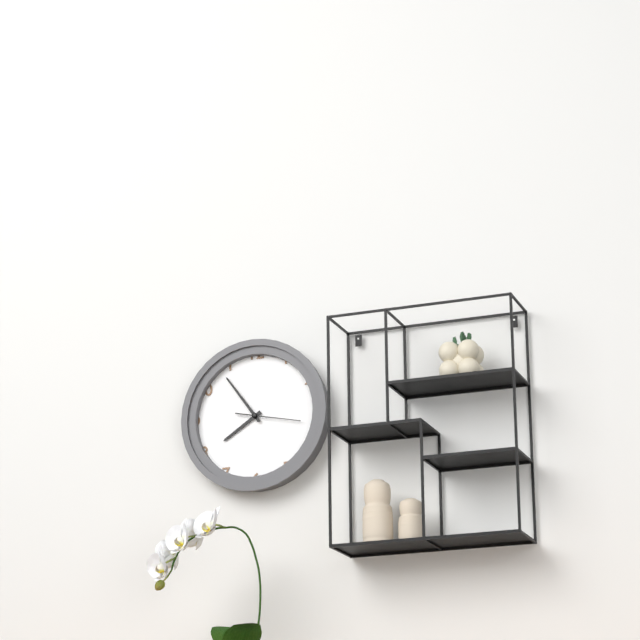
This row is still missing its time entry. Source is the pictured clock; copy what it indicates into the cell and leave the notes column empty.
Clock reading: 7:54:17
